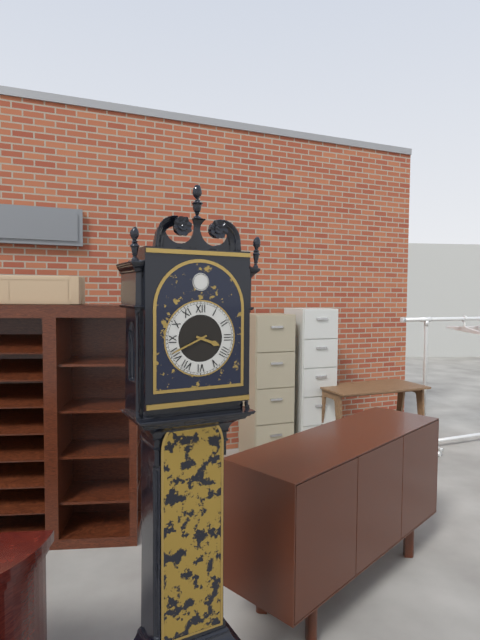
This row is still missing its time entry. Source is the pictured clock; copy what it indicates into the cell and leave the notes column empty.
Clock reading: 3:41
